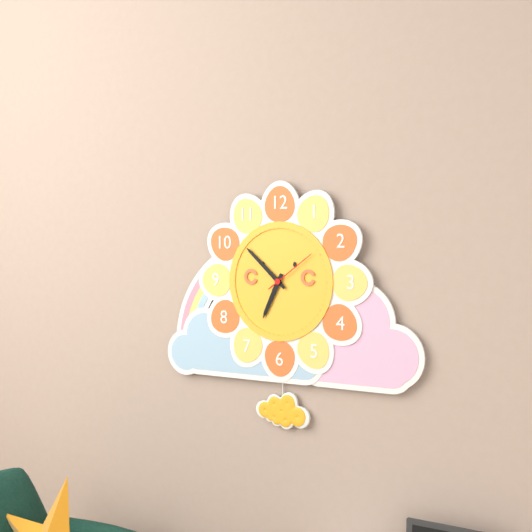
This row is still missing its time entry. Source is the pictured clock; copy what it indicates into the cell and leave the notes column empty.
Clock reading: 6:52
